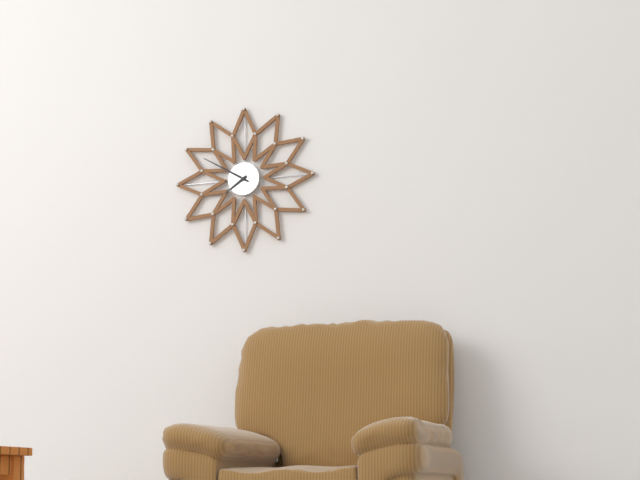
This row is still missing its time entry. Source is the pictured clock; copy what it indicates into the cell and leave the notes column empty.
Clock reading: 7:50
